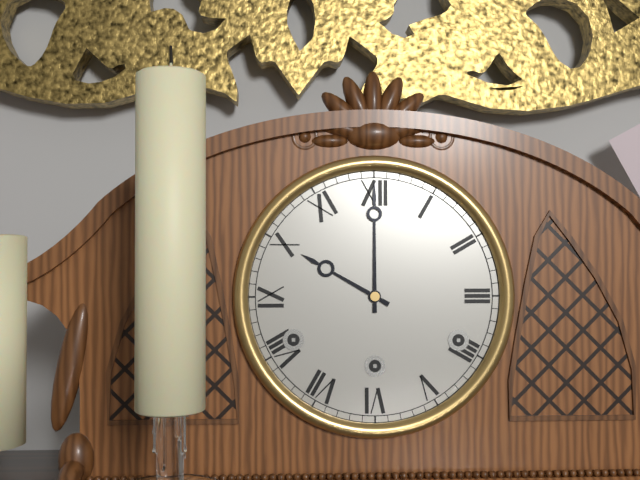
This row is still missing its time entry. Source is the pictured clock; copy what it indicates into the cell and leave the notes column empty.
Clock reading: 10:00
